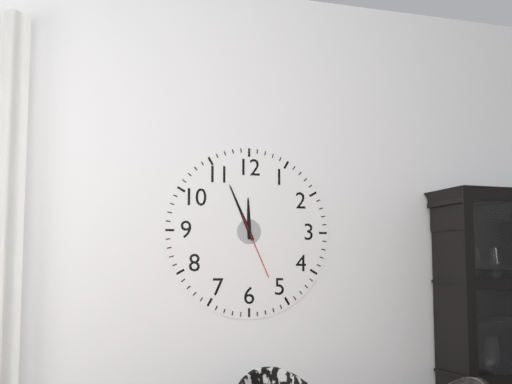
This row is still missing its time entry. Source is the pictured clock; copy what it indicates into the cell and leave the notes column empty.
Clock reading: 11:56:26
